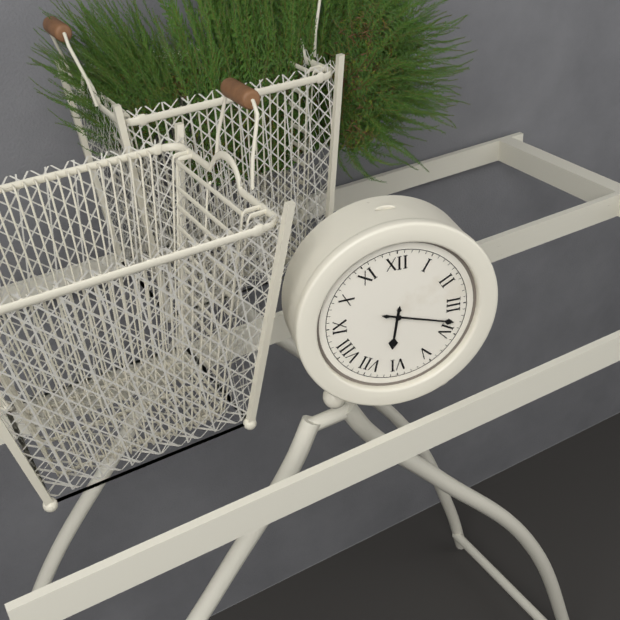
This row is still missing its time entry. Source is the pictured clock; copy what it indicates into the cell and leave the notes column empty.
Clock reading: 6:18
